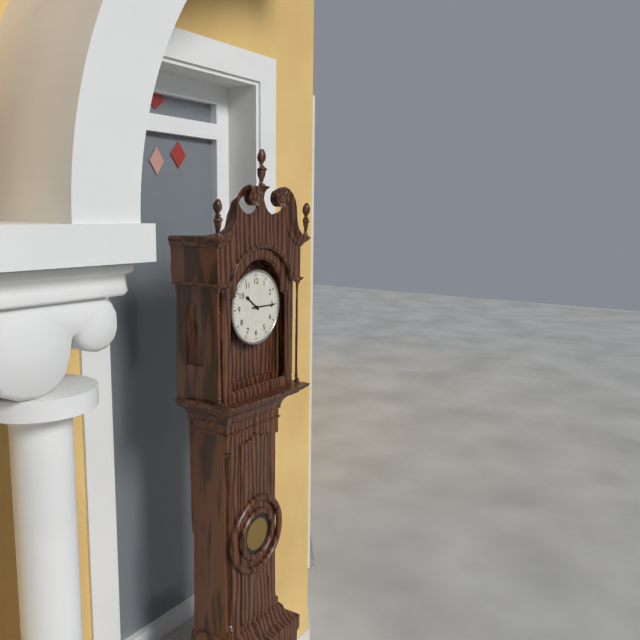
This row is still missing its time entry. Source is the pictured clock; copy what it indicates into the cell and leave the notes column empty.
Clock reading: 10:15
